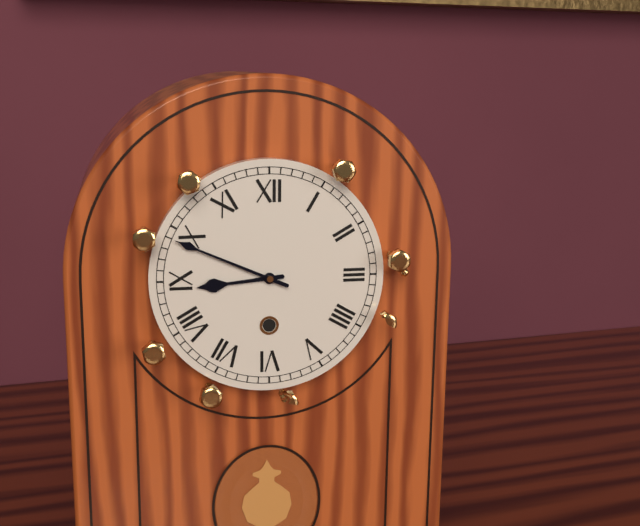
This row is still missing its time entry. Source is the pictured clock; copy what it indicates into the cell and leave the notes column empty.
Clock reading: 8:49
